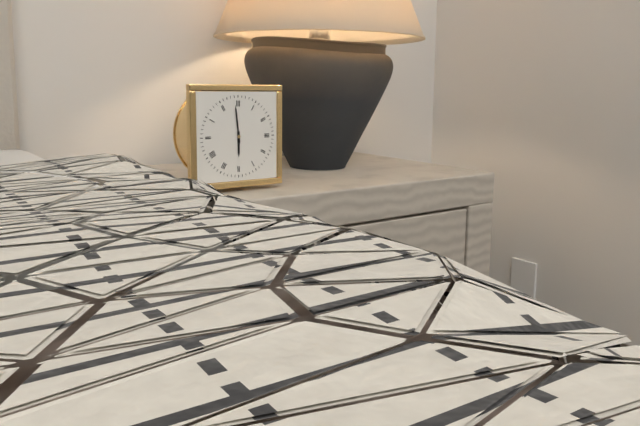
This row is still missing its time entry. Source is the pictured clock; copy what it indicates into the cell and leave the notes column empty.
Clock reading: 5:59
